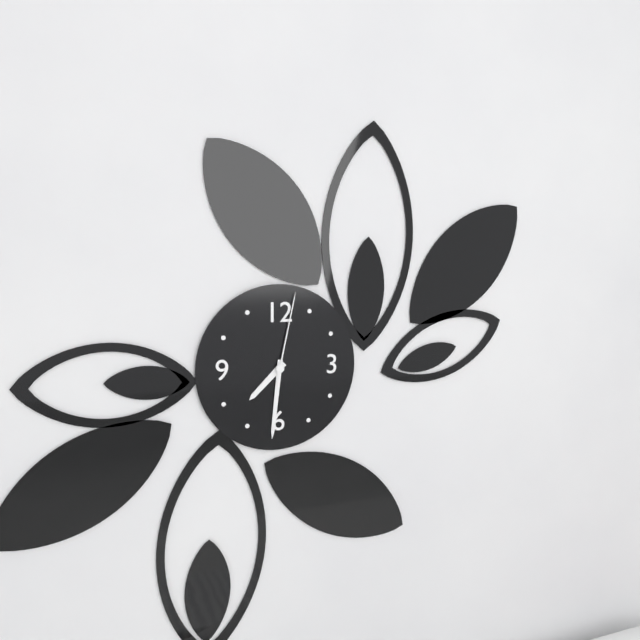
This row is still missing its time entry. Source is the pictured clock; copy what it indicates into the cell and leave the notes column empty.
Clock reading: 7:31:02
